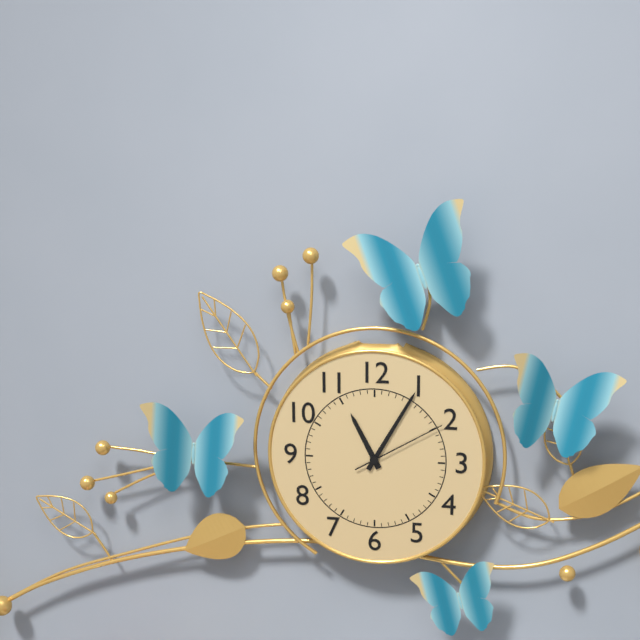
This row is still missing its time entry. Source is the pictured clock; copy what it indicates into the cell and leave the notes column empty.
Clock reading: 11:05:10
